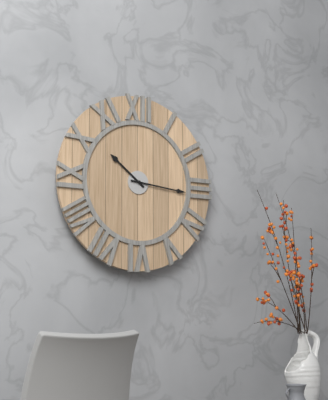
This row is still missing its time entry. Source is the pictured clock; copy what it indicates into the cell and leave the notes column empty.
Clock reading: 10:16
